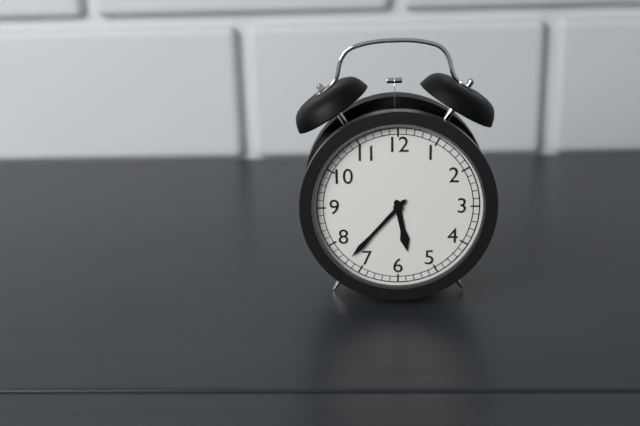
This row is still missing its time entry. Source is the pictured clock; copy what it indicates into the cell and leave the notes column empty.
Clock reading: 5:37
